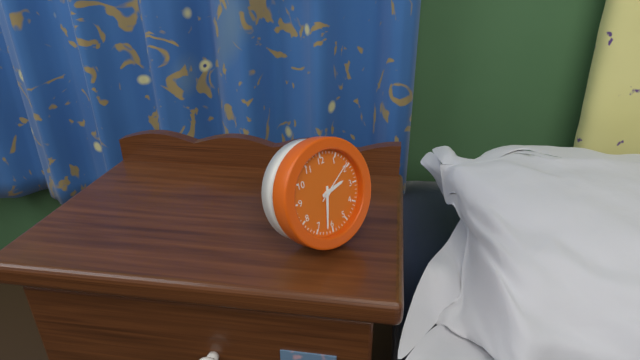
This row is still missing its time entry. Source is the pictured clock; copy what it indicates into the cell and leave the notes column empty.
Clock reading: 2:32
